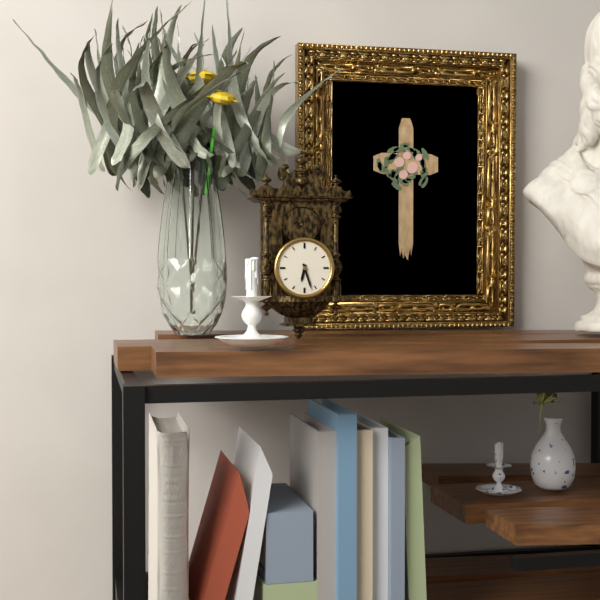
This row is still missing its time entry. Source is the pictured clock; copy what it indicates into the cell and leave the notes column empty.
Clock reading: 6:27
